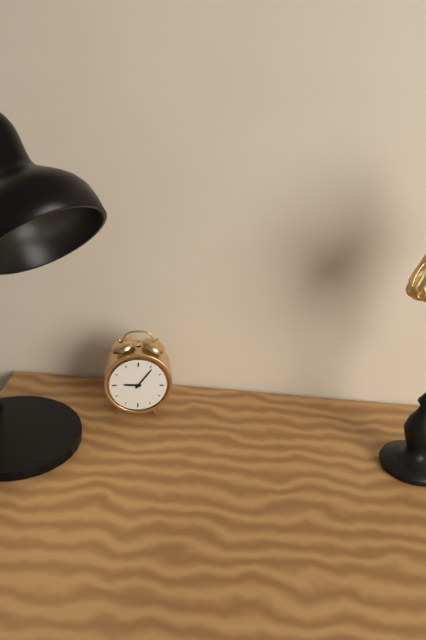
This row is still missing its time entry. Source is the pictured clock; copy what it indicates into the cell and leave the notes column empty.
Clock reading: 9:06
